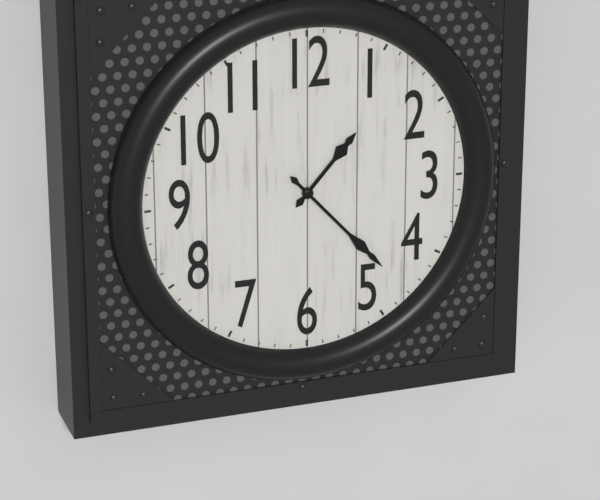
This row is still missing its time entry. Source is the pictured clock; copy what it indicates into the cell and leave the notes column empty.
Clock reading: 1:23
